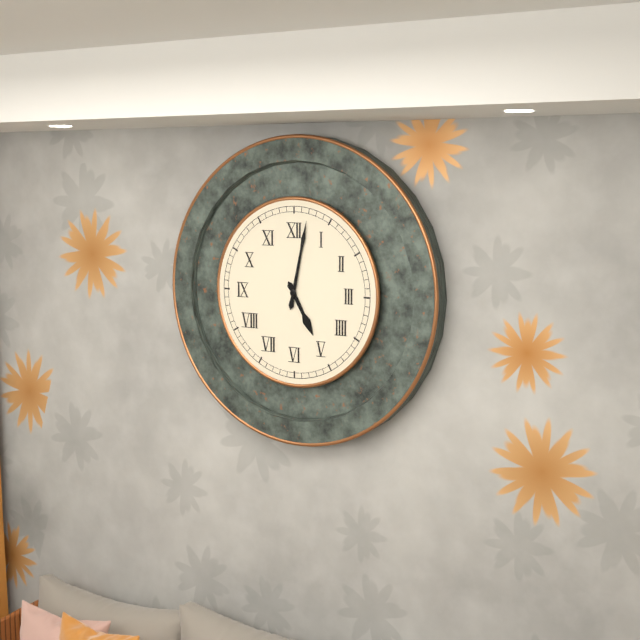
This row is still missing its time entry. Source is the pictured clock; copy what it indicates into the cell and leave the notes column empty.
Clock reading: 5:02
